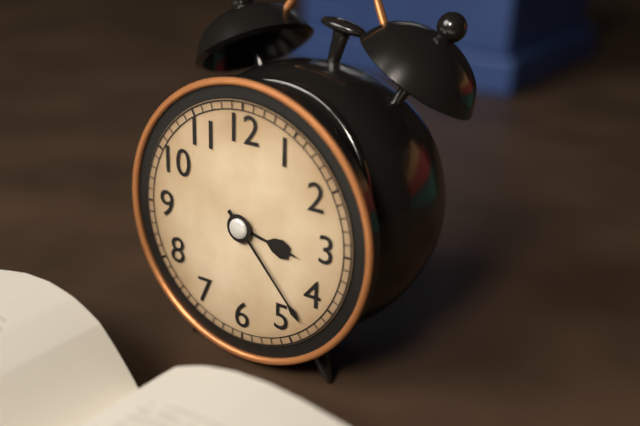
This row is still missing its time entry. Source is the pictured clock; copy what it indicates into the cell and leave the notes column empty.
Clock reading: 3:23
